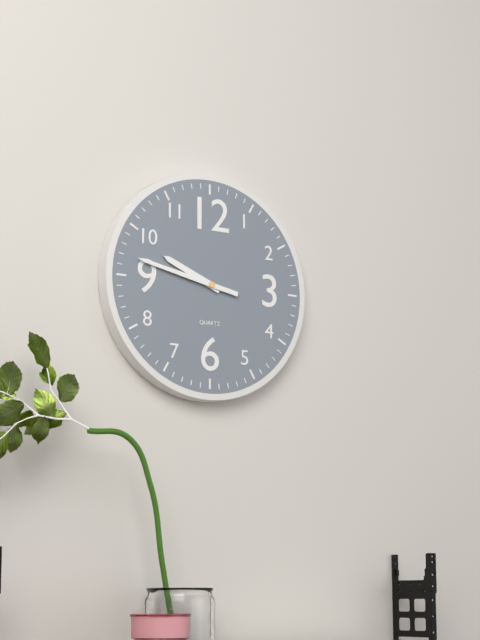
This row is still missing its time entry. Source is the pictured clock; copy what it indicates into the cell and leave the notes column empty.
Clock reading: 9:47
